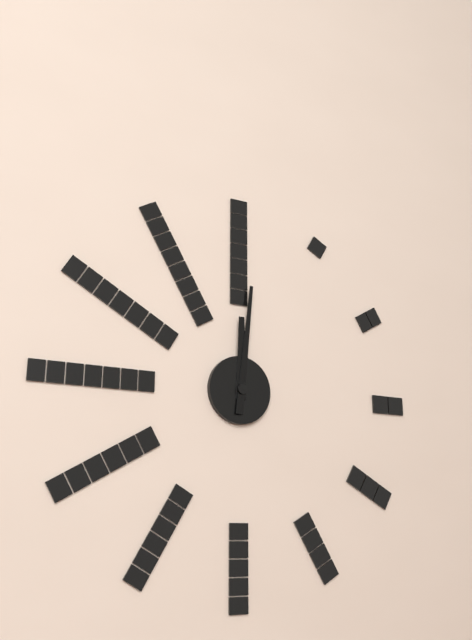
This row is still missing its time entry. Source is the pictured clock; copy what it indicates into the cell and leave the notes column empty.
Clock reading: 12:01
